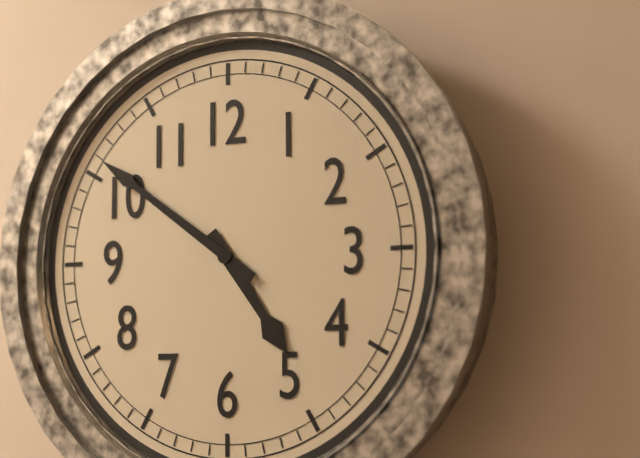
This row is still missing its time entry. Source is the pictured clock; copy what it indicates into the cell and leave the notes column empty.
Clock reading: 4:51
